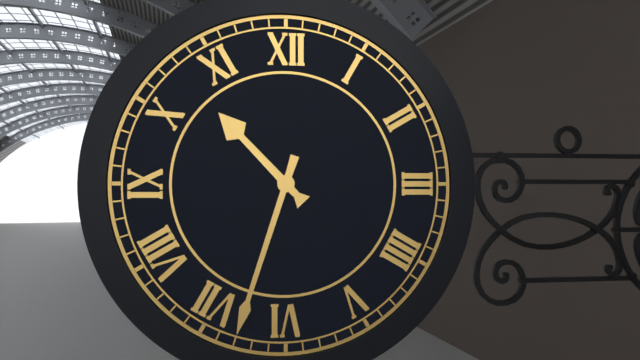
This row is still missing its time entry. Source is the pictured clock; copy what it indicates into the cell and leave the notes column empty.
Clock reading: 10:33
